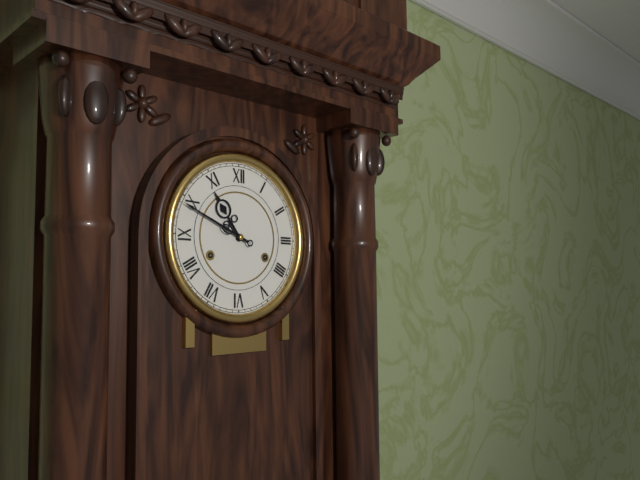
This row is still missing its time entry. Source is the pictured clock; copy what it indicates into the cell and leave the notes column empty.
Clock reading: 10:49
